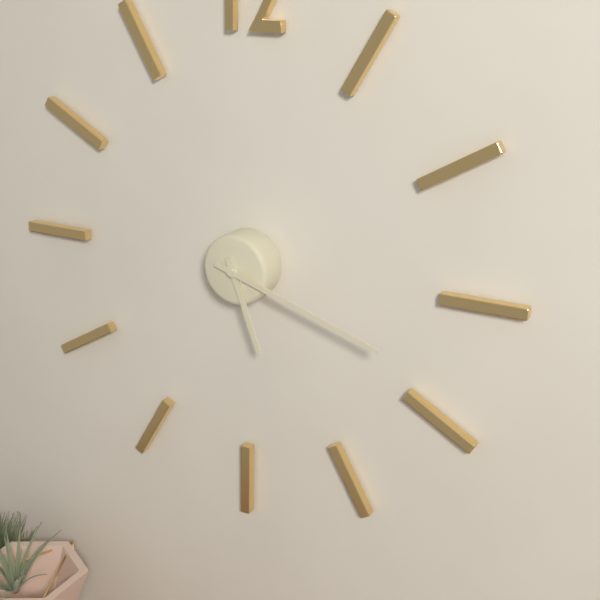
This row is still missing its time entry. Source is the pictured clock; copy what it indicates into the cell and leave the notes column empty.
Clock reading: 5:18
